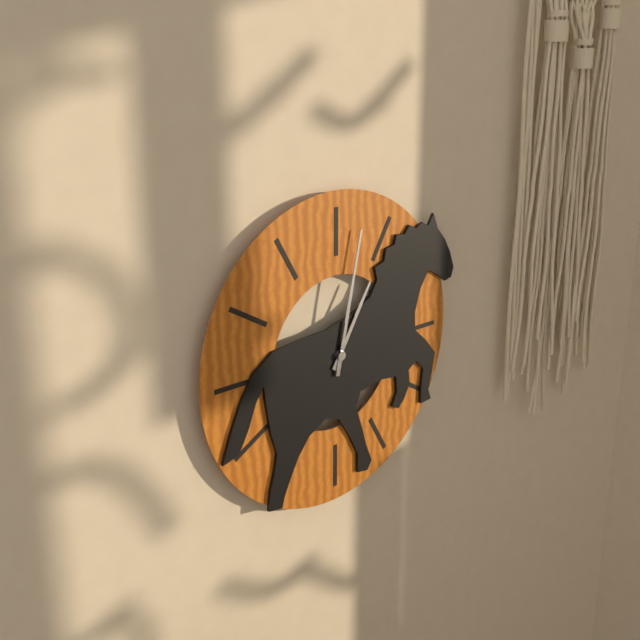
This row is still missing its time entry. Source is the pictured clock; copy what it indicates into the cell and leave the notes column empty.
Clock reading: 1:02
